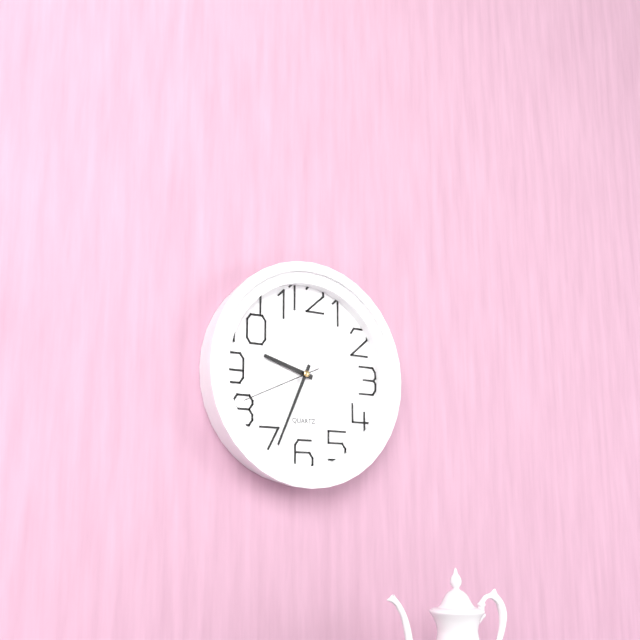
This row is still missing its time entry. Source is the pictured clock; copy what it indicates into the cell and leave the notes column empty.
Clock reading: 9:34:41
